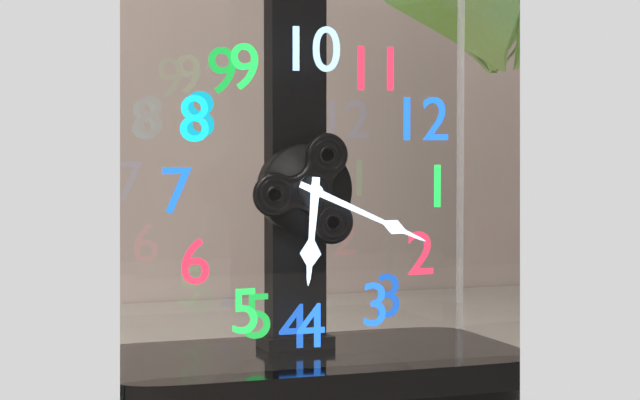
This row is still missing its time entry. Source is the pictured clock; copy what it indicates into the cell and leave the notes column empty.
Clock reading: 4:09
